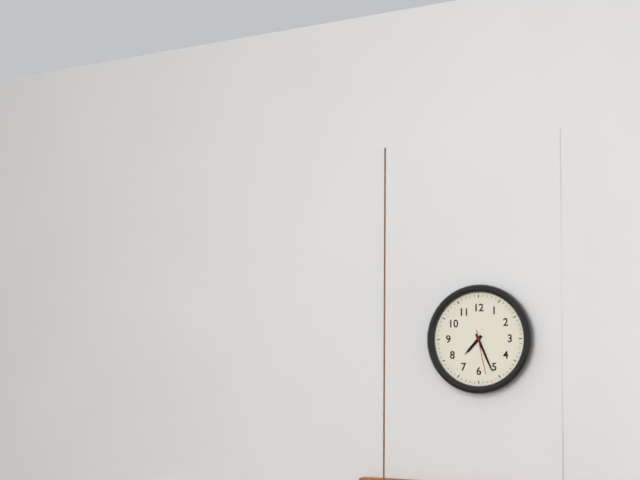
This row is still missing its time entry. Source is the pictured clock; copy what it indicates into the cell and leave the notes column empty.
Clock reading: 7:26
